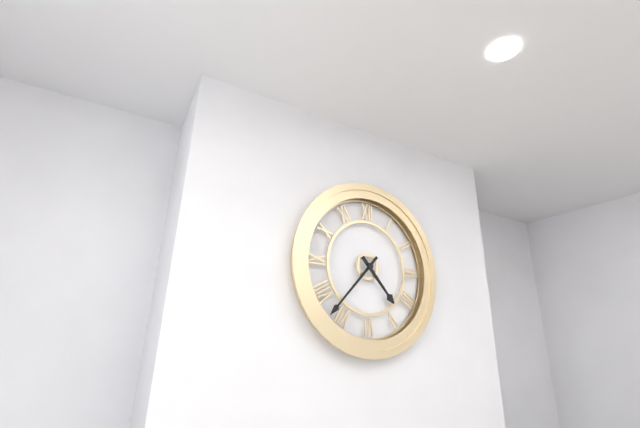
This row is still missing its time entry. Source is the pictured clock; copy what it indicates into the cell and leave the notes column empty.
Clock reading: 4:37
